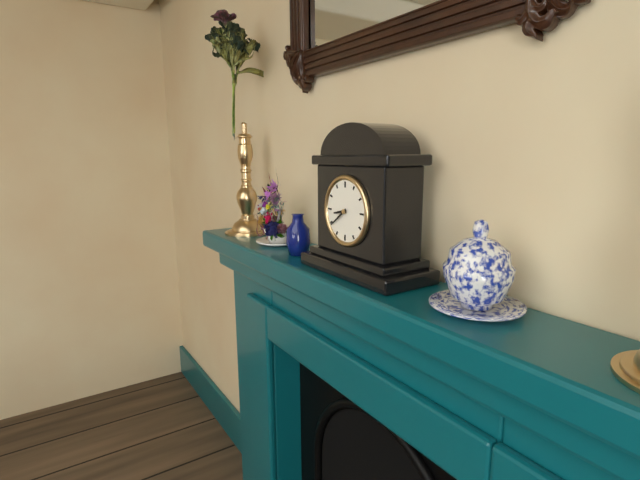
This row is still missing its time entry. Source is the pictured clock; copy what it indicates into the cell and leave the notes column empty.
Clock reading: 8:39
